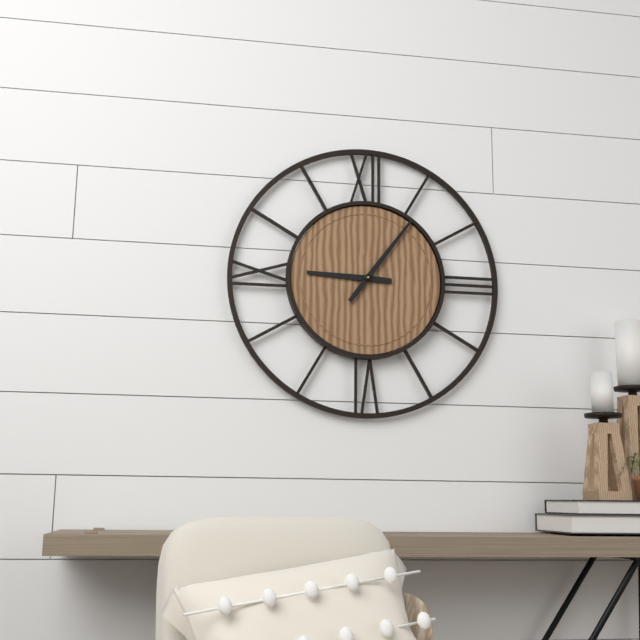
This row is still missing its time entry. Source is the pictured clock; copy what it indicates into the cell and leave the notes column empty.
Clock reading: 9:06
